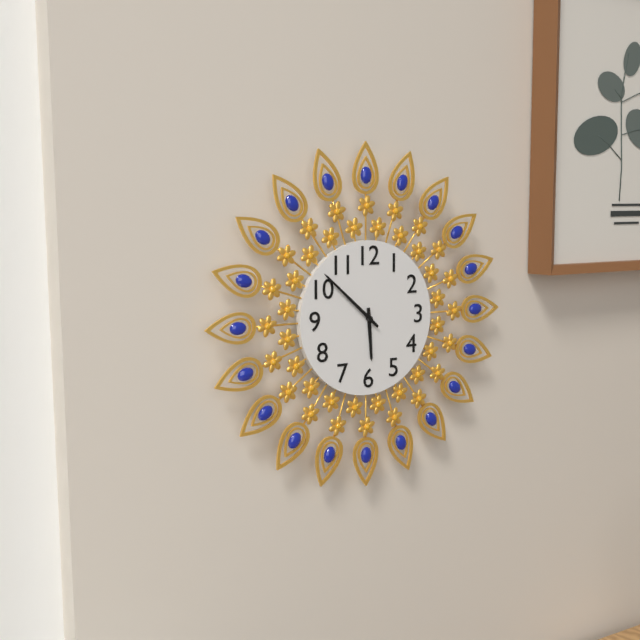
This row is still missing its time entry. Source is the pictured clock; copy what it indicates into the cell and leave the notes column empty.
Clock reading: 5:52
